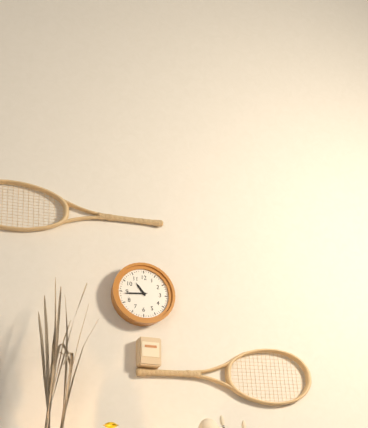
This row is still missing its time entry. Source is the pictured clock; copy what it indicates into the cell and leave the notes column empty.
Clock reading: 10:44
